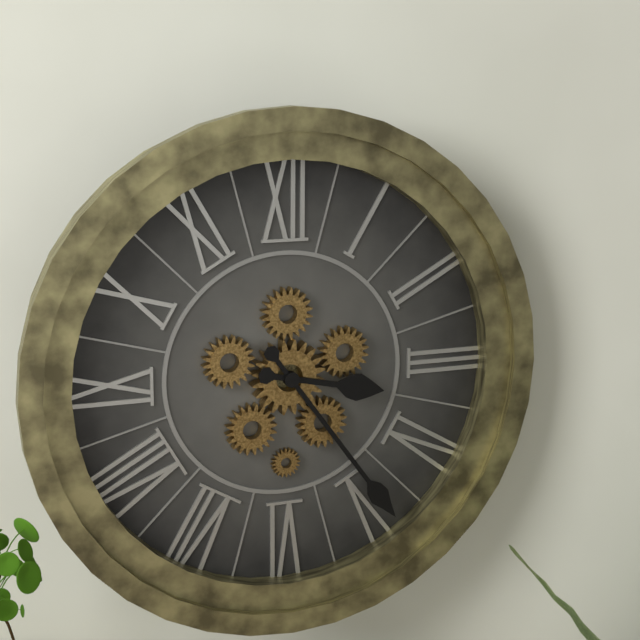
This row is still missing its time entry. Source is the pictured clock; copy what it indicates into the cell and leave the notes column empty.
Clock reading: 3:24
